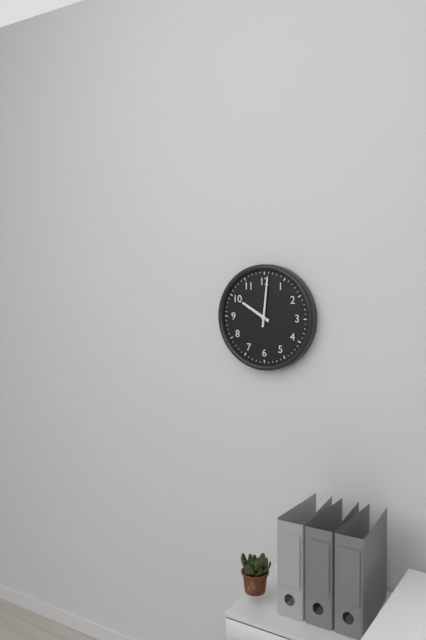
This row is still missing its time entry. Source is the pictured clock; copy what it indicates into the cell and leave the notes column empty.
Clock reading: 10:01
